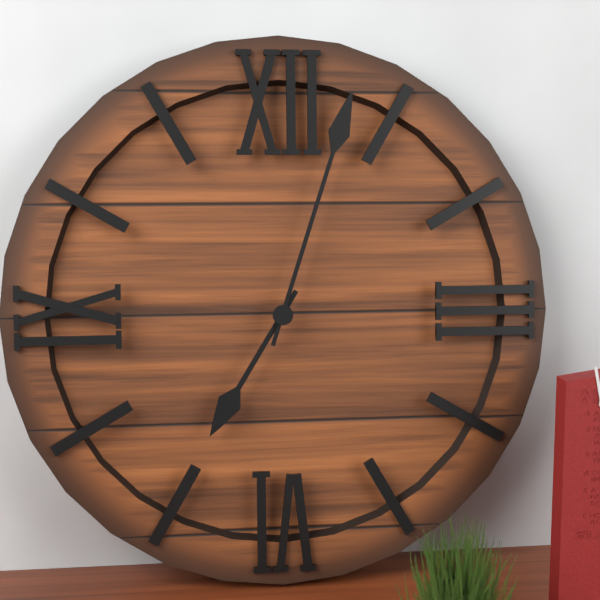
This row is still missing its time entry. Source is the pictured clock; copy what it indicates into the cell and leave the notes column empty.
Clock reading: 7:03
